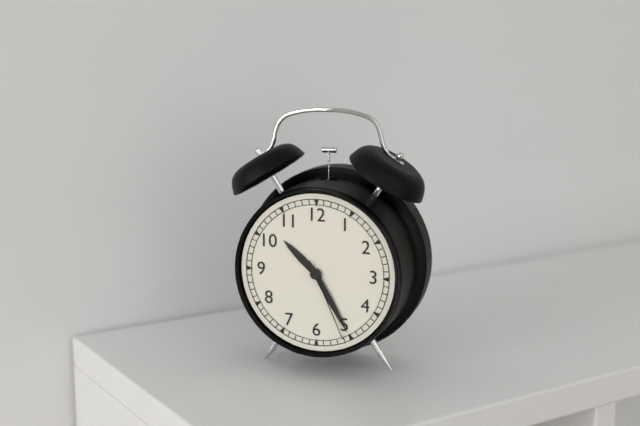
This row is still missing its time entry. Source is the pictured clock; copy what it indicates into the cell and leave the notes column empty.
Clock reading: 10:25:26
